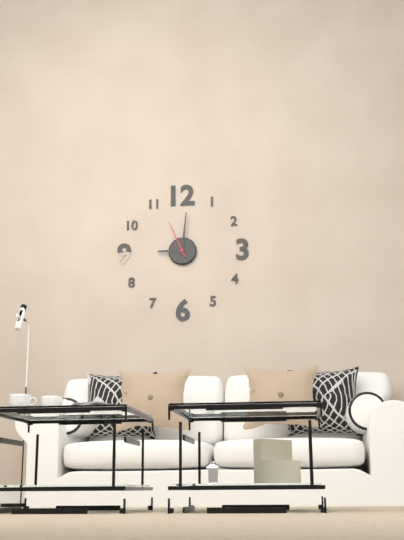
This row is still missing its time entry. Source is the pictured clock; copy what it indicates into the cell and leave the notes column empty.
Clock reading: 9:01
